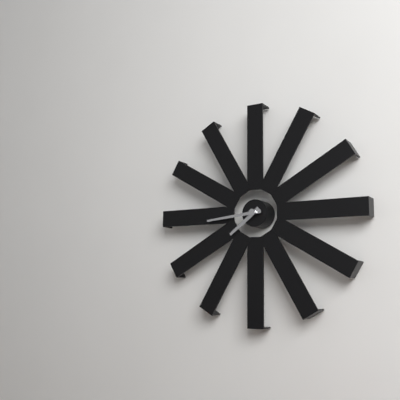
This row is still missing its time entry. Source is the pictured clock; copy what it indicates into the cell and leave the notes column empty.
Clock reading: 7:44
